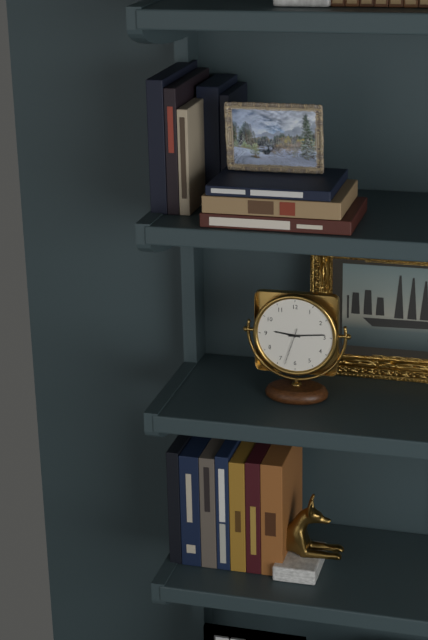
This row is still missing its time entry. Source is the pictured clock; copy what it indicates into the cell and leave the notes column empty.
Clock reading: 9:14
